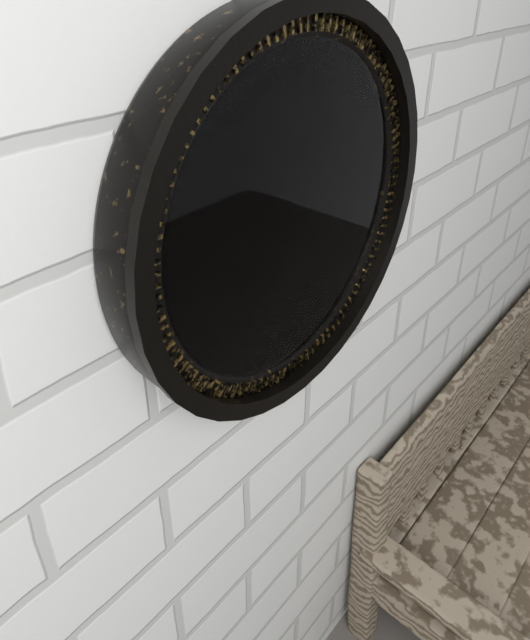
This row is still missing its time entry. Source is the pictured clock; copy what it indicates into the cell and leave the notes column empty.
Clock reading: 4:00
